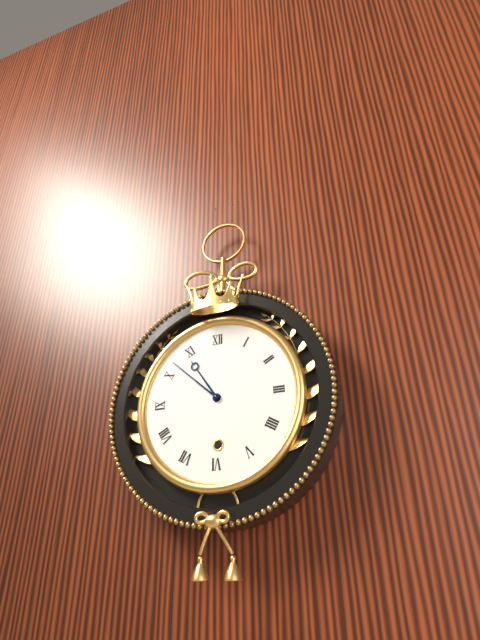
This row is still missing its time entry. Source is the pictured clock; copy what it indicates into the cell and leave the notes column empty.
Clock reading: 10:52
